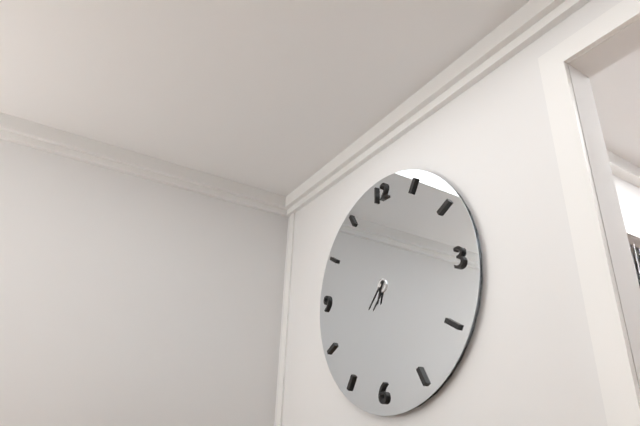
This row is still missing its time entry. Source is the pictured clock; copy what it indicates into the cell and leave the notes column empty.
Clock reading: 6:37
